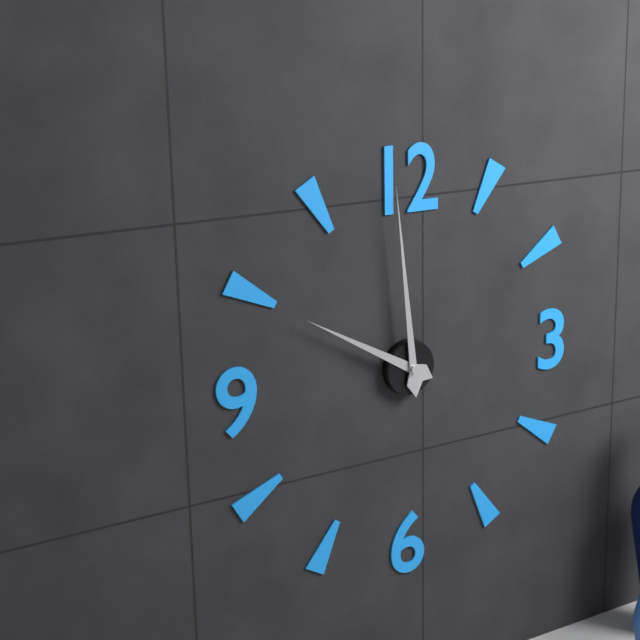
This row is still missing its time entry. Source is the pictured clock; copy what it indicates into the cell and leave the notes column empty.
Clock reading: 9:59
